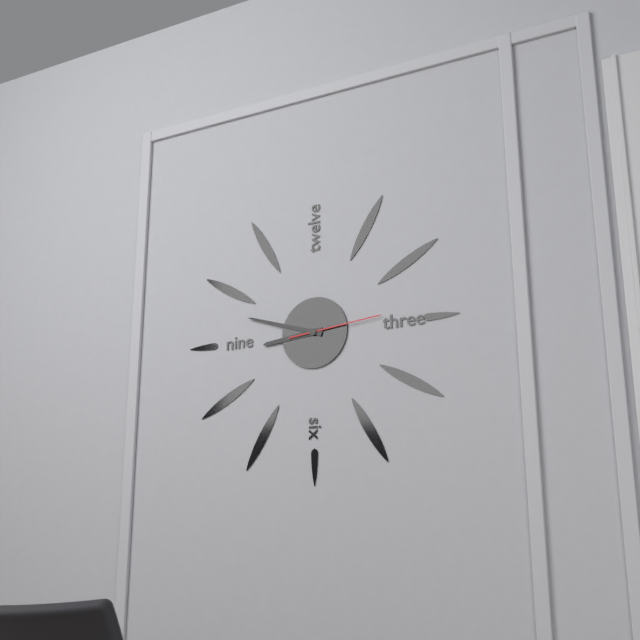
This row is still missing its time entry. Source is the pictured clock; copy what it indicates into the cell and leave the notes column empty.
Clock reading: 8:48:14
